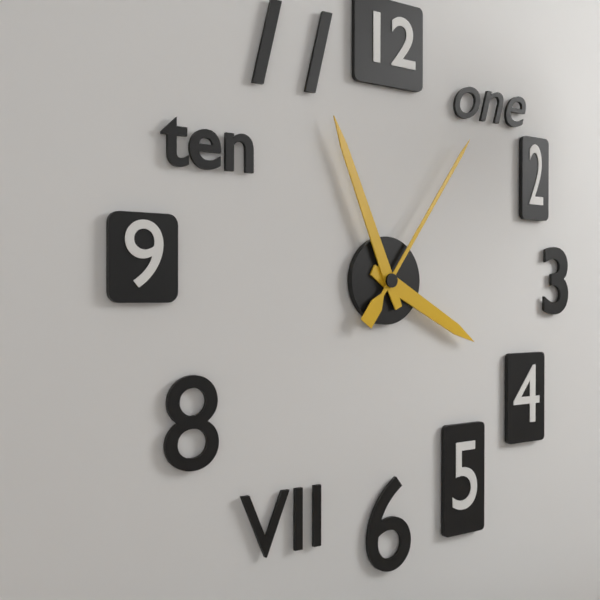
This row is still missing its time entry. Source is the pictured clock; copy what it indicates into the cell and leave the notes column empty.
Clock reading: 3:56:06
